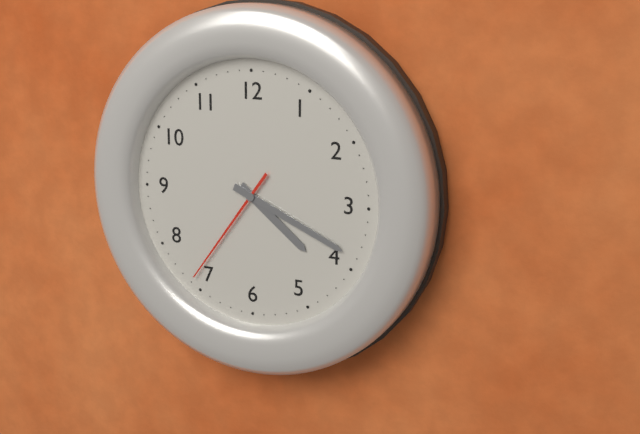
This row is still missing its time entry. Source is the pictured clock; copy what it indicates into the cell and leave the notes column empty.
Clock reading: 4:19:36
